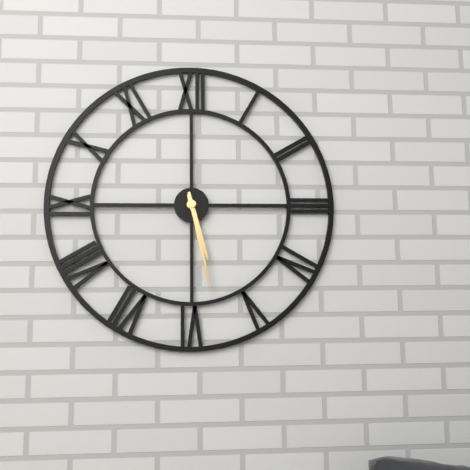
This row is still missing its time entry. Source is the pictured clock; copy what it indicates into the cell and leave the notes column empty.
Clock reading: 5:28
